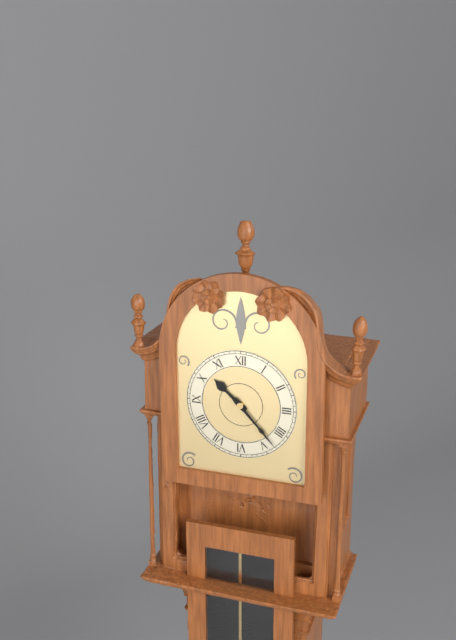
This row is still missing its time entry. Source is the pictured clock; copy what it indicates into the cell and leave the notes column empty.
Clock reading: 10:23
